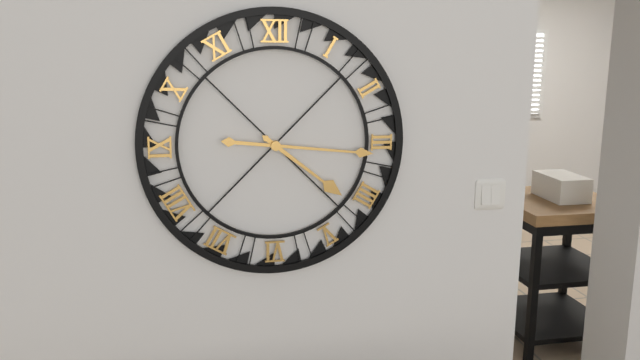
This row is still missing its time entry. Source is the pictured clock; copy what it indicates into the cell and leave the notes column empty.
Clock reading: 4:16
